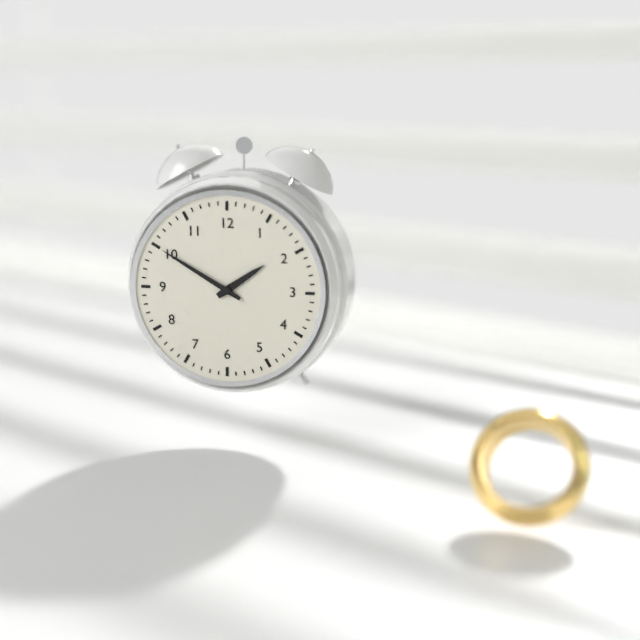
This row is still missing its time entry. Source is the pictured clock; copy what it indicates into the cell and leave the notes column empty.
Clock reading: 1:50
